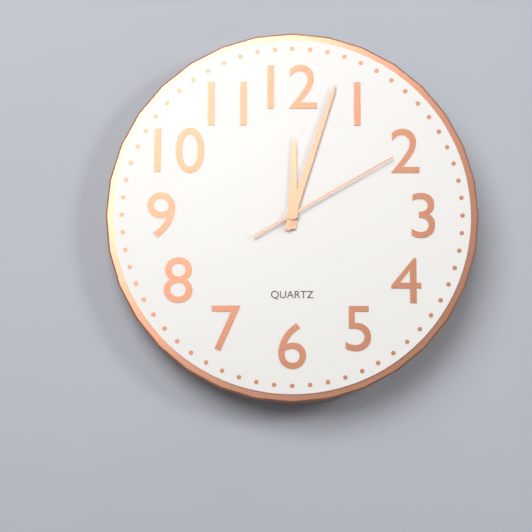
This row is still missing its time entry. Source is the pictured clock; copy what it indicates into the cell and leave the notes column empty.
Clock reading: 12:03:10
